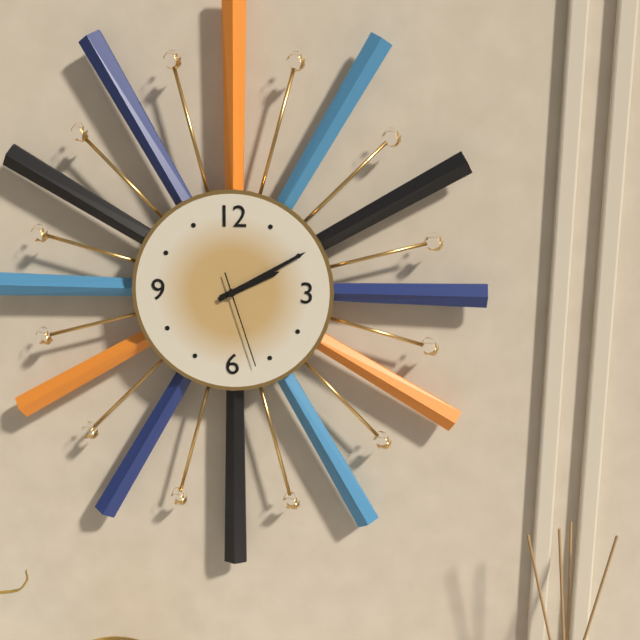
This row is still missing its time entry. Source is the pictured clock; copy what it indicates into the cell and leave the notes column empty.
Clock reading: 2:10:27
